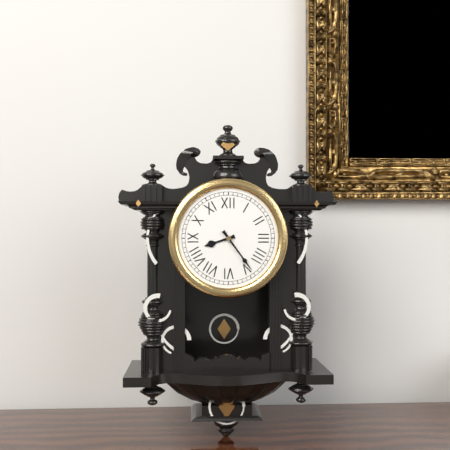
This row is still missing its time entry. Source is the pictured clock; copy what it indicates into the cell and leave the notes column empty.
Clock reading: 8:24
